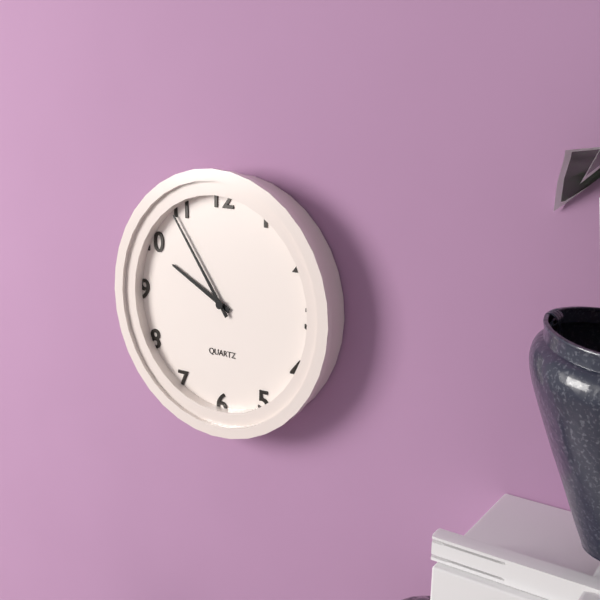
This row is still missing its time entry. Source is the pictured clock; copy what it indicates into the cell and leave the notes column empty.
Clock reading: 9:54
